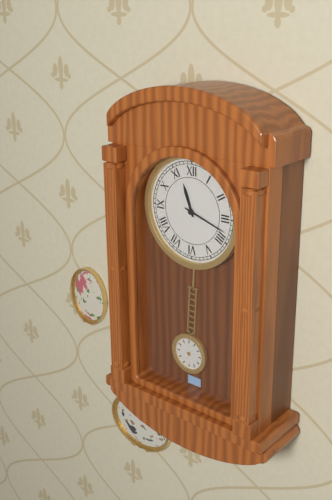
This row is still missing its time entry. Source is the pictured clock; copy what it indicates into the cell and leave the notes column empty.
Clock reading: 11:18
